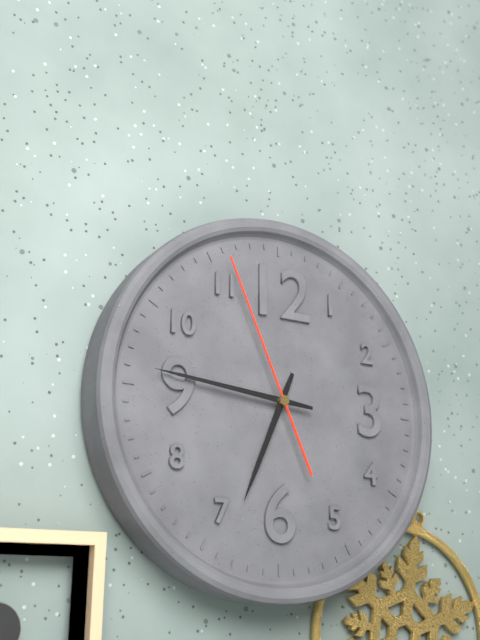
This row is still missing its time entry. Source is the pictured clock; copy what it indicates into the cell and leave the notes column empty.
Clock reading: 6:46:56
